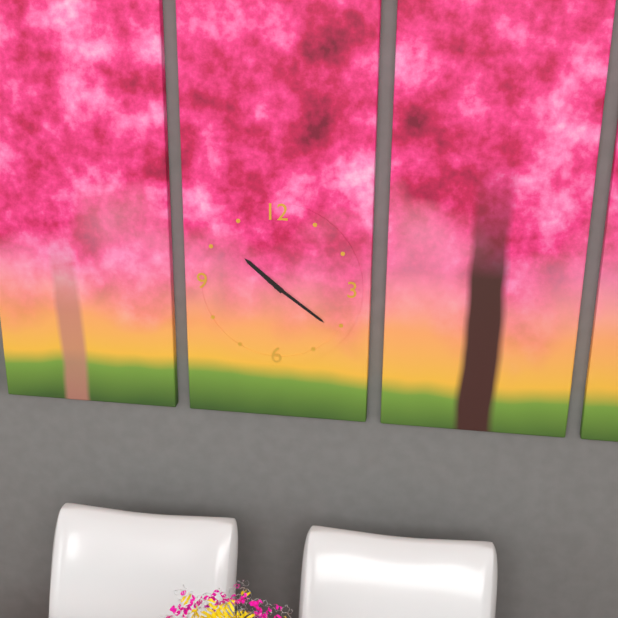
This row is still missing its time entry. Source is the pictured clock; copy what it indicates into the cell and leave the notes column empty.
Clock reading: 10:21
